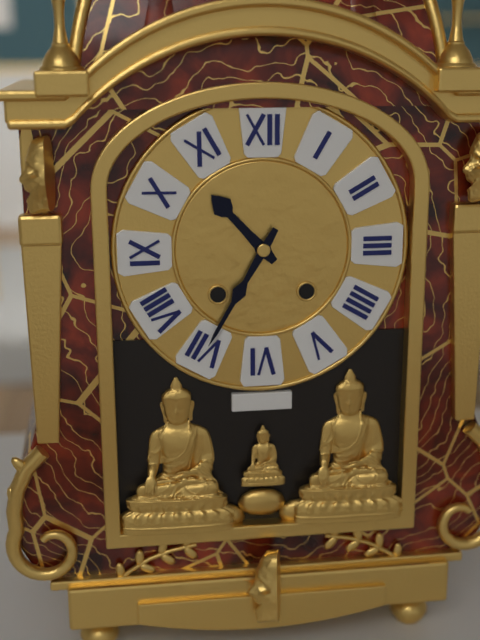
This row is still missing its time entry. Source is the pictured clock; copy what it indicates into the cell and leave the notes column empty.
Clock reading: 10:35
